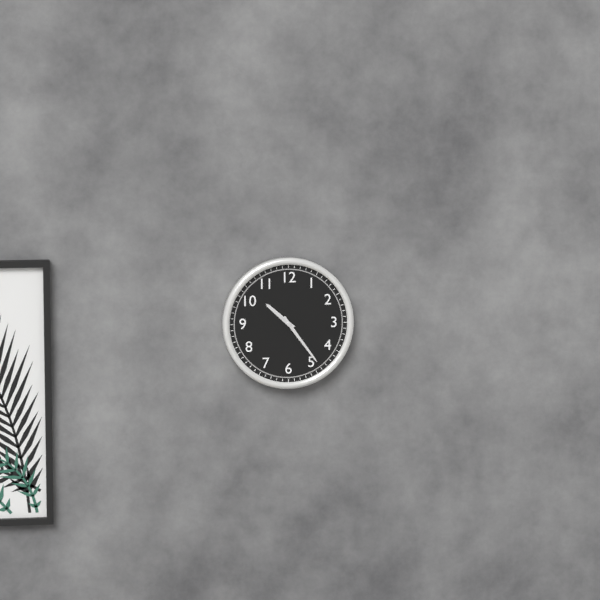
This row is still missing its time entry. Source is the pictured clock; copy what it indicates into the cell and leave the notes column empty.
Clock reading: 10:24
